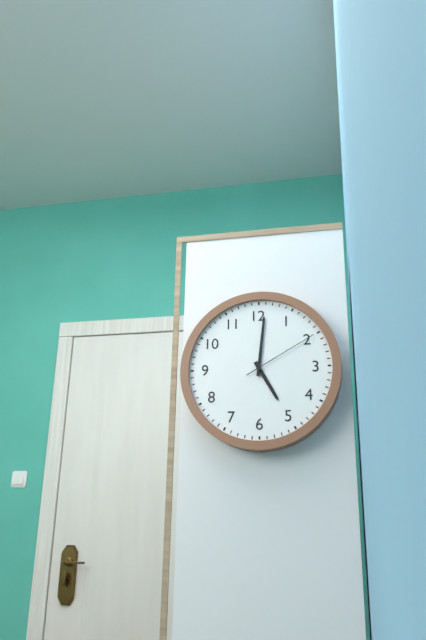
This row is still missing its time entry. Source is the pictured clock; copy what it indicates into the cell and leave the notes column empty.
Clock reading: 5:01:10
